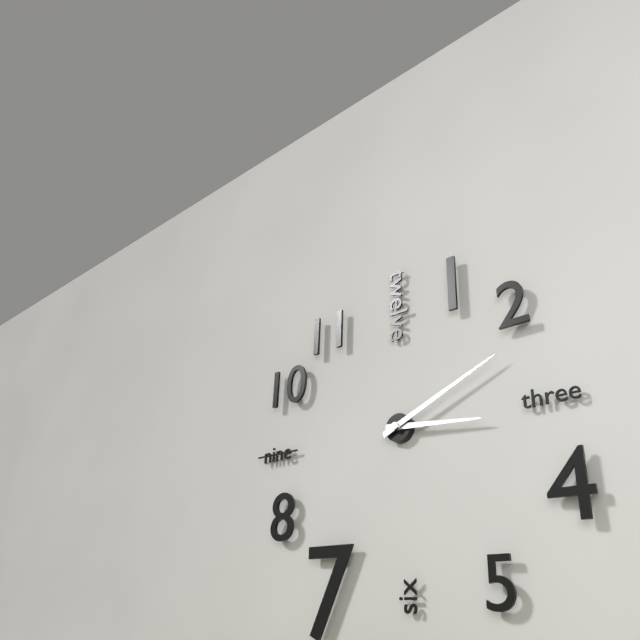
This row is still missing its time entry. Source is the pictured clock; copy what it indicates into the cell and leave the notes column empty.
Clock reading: 3:11
